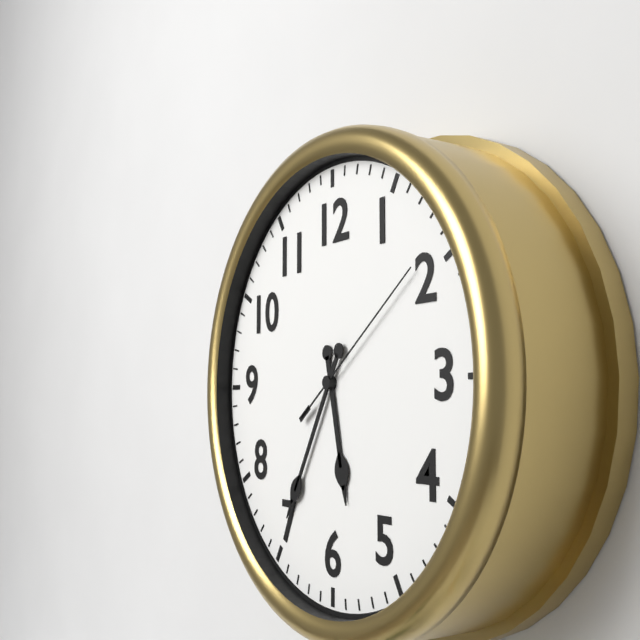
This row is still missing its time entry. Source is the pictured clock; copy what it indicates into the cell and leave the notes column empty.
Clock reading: 5:35:09
